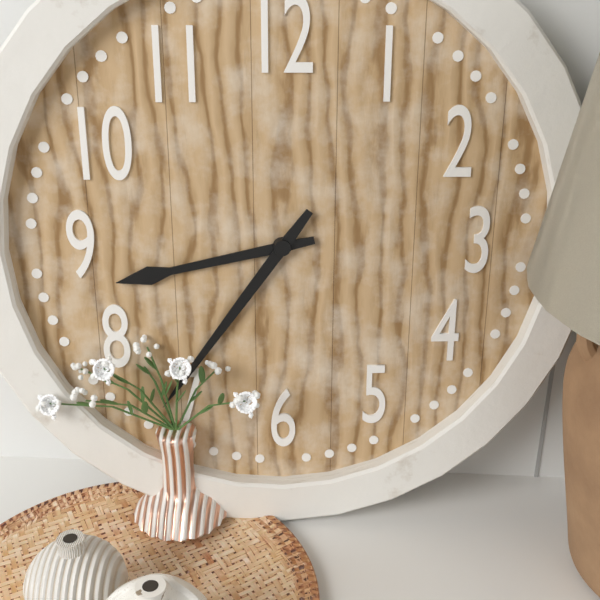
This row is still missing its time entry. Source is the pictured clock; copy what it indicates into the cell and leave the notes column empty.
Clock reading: 8:36
